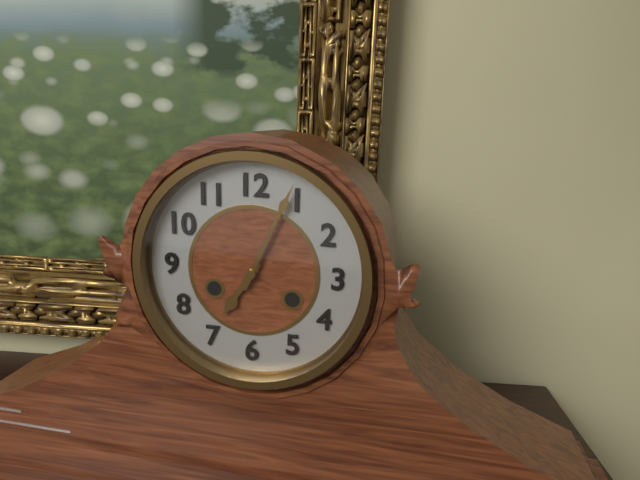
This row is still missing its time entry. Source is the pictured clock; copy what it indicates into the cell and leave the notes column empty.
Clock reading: 7:04
